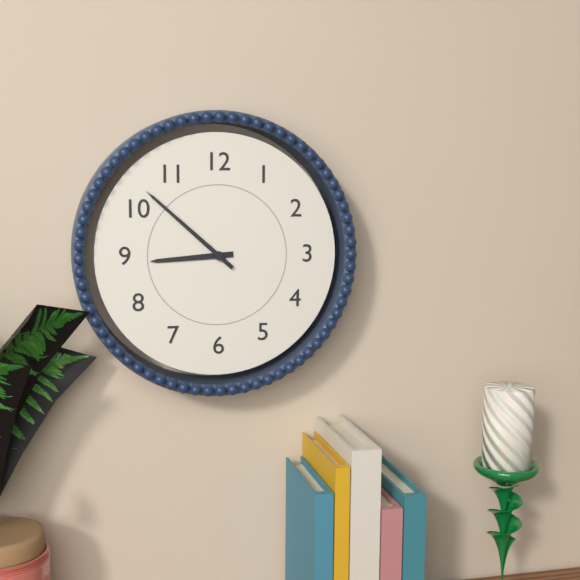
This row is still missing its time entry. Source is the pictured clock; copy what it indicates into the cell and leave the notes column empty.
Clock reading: 8:52
